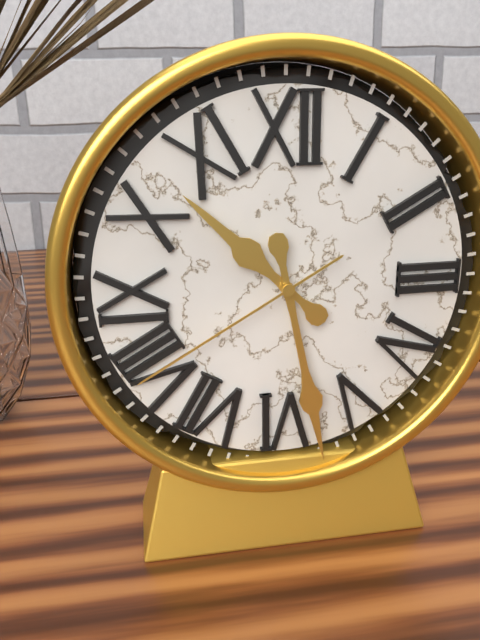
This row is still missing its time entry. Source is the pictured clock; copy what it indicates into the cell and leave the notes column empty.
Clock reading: 10:28:40
